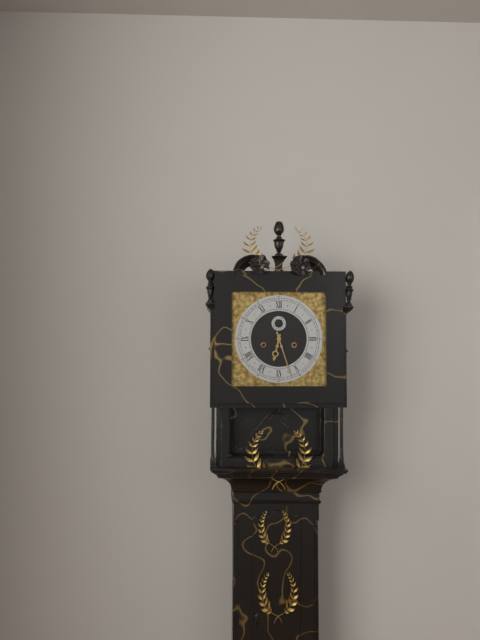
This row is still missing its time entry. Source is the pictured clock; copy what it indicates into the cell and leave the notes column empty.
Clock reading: 6:27
